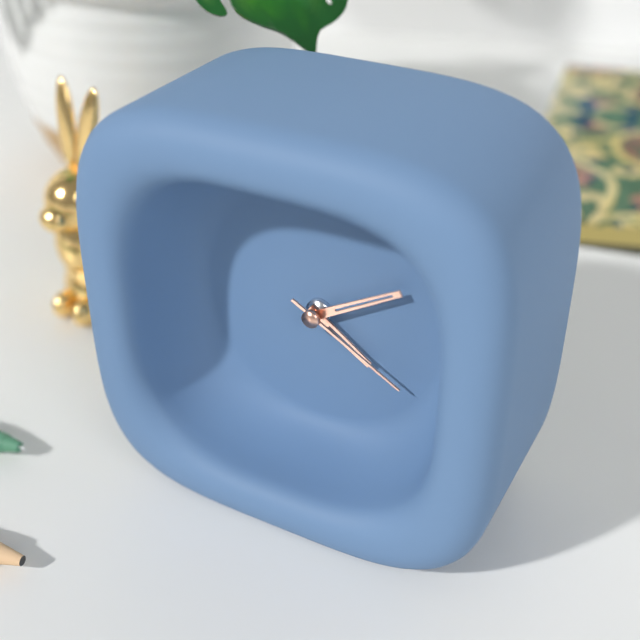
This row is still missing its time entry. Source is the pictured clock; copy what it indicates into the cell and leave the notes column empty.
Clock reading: 4:10:20
